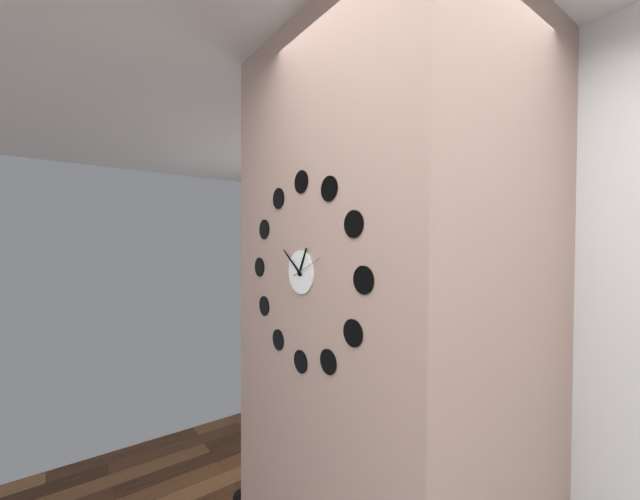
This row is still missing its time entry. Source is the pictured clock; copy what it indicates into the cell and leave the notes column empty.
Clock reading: 12:51
